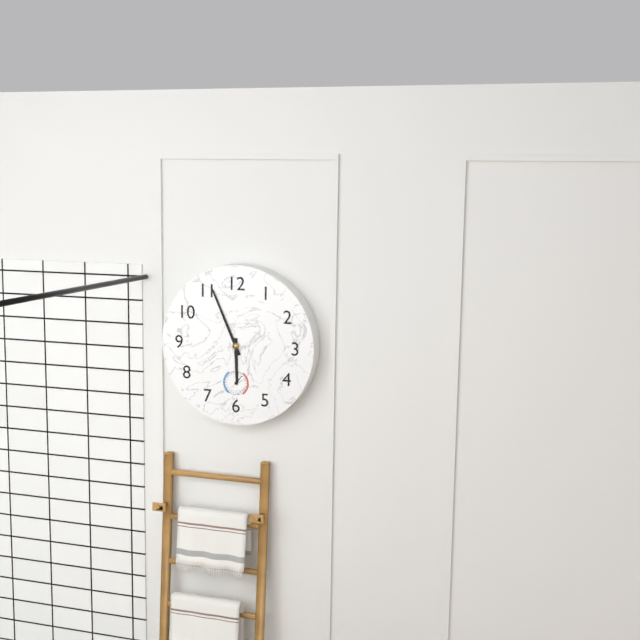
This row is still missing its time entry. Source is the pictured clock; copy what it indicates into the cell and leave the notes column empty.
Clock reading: 5:56
